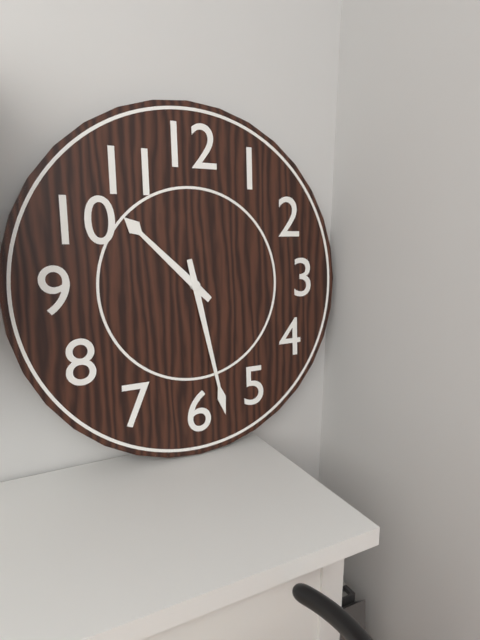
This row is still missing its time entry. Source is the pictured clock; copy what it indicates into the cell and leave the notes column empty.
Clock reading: 10:28
